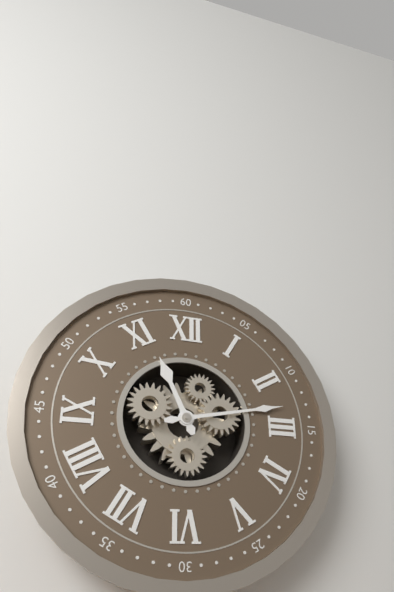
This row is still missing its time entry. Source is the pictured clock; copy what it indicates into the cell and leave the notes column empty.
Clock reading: 11:13
